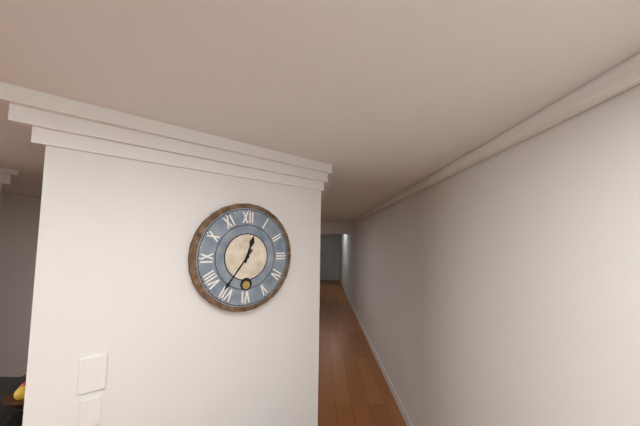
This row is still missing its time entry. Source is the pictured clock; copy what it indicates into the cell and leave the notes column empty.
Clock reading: 12:36
